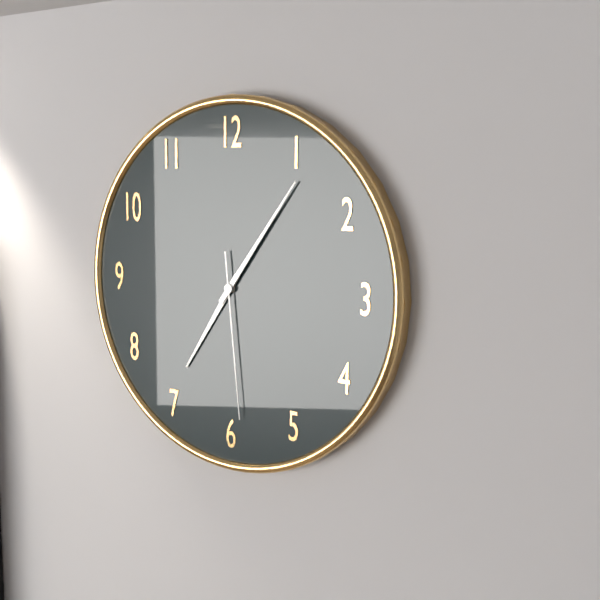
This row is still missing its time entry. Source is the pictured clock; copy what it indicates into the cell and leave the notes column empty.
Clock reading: 7:06:29
